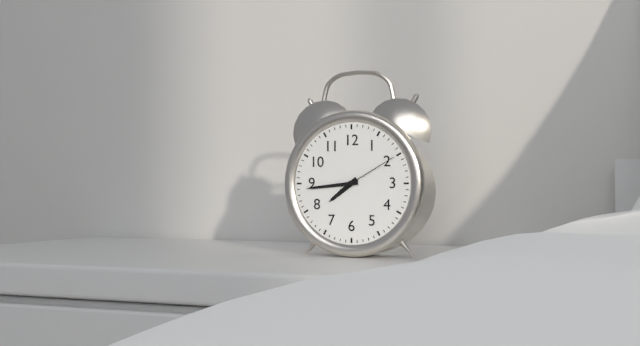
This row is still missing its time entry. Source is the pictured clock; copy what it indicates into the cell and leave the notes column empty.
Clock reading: 7:44:10
